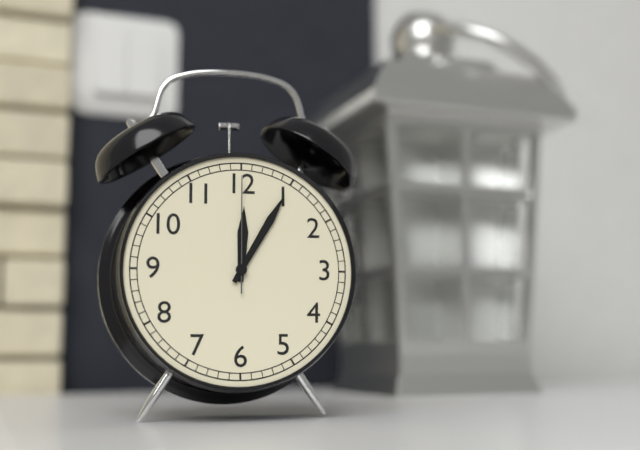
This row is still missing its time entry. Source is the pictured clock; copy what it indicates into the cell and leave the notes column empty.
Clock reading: 12:05:00
